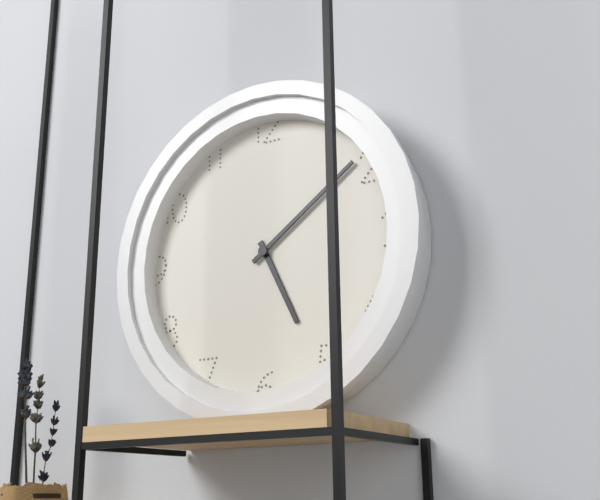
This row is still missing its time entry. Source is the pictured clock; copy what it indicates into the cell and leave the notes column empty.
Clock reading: 5:09
